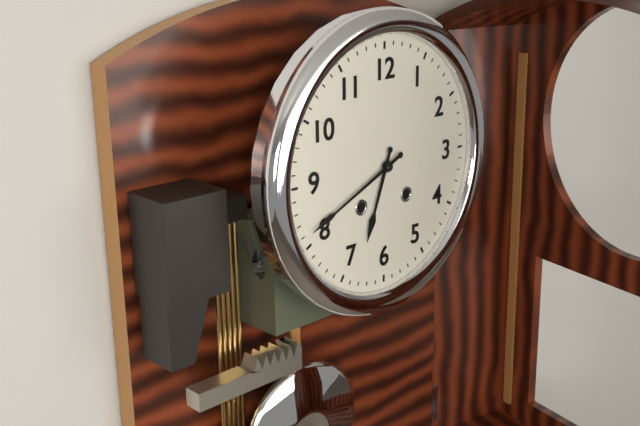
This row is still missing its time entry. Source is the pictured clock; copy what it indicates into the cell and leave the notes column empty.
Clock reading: 6:41
